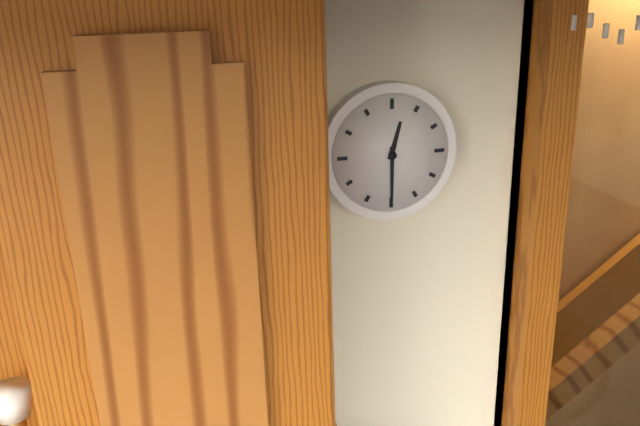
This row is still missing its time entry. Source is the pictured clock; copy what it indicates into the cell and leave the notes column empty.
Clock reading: 12:30
